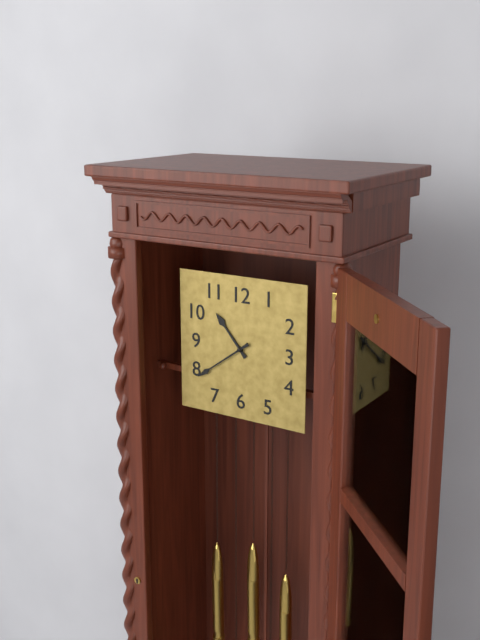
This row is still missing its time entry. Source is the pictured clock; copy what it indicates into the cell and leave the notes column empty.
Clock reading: 10:39
